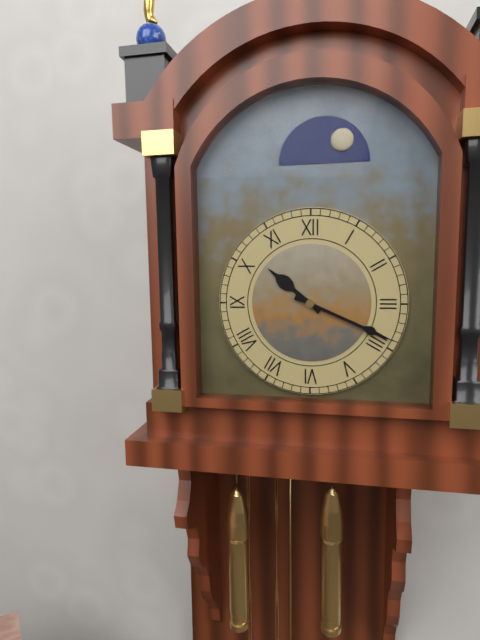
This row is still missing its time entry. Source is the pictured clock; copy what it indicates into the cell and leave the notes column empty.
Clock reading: 10:19
